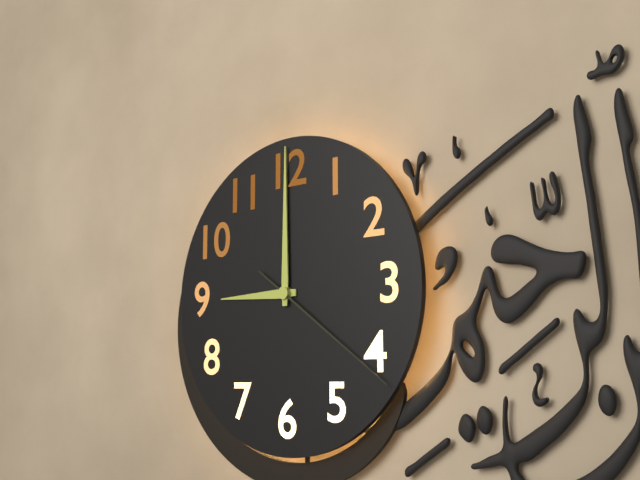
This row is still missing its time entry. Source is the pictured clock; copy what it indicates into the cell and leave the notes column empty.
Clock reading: 9:00:21
